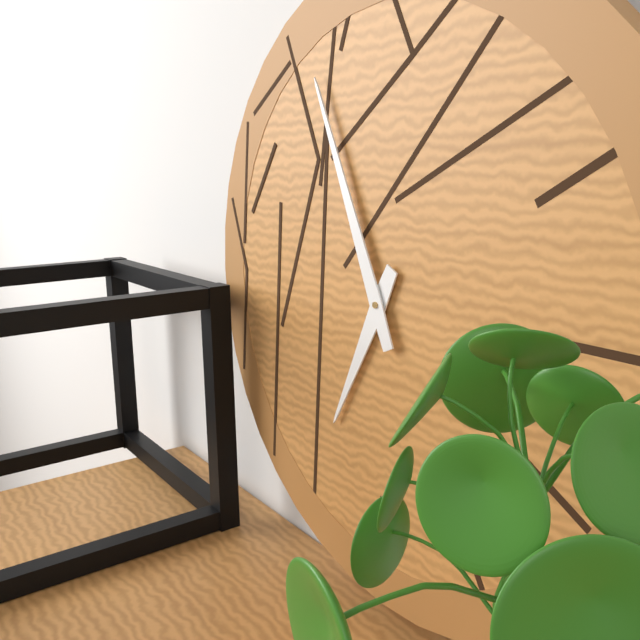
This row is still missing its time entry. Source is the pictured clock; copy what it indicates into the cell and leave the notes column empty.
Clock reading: 6:56
